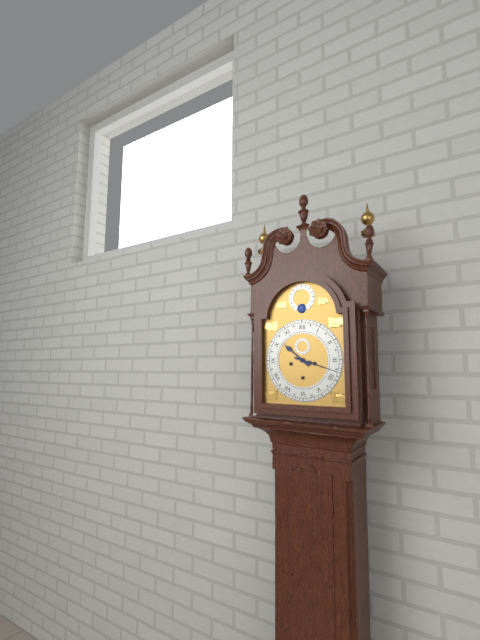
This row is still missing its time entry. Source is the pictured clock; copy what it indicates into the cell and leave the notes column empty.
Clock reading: 10:18
